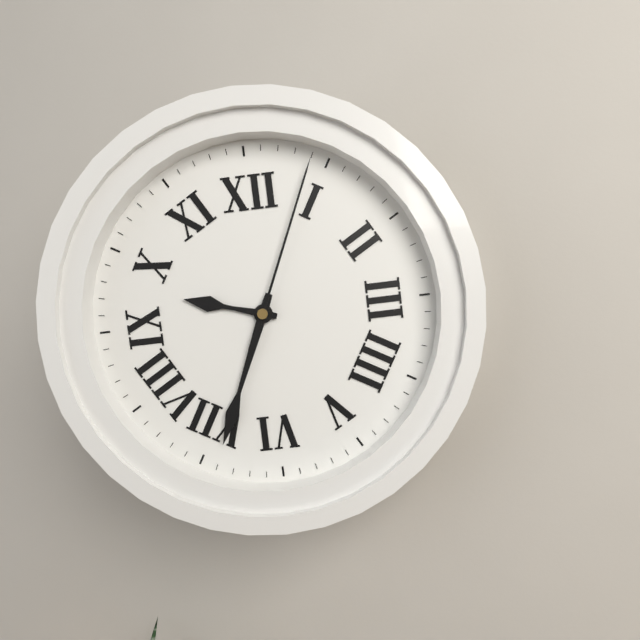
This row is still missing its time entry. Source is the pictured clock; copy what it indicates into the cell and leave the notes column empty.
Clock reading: 9:34:04
